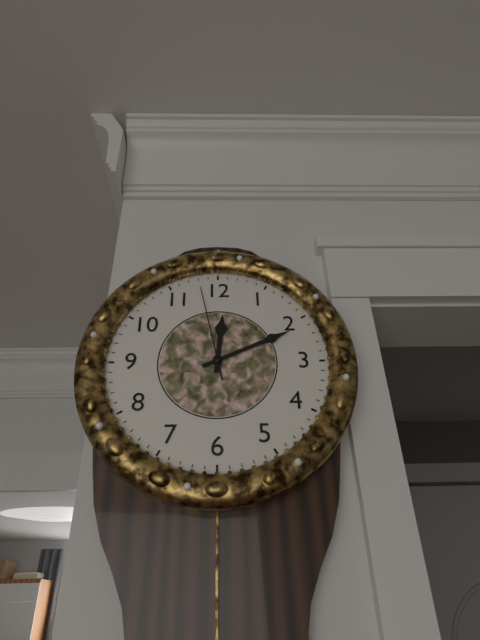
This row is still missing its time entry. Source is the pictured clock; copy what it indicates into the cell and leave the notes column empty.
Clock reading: 12:11:58
